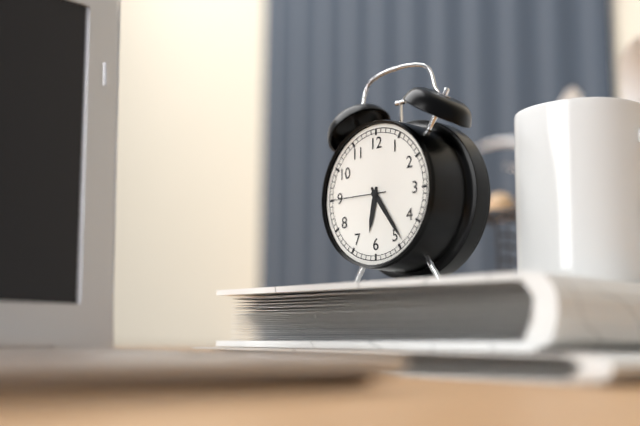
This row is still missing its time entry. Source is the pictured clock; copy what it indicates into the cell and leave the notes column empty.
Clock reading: 6:24:45
